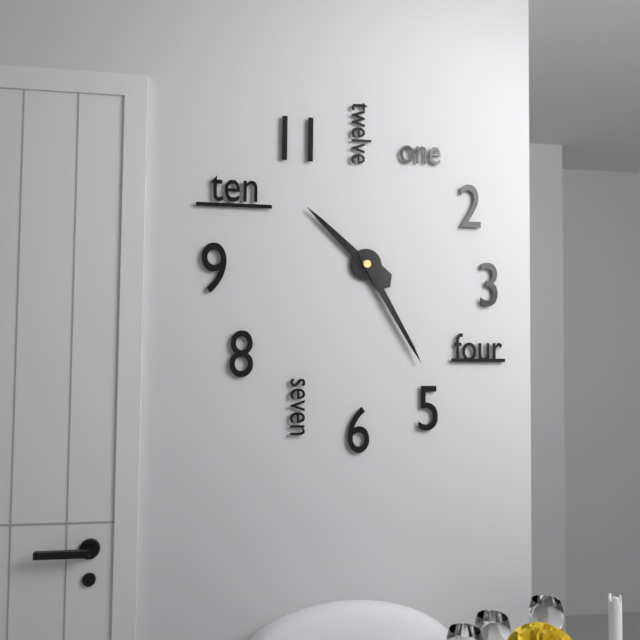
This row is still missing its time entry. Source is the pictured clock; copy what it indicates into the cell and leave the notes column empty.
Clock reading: 10:25
